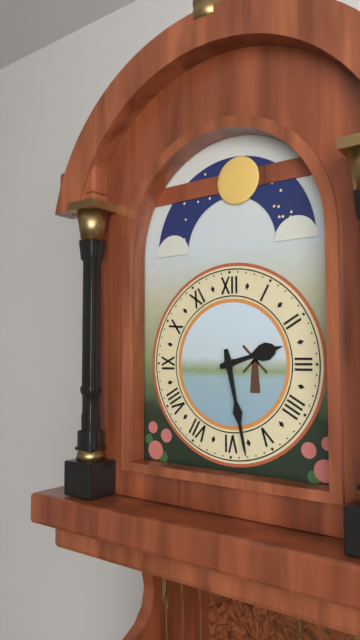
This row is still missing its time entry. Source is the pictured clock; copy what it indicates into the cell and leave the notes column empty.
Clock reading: 2:28
